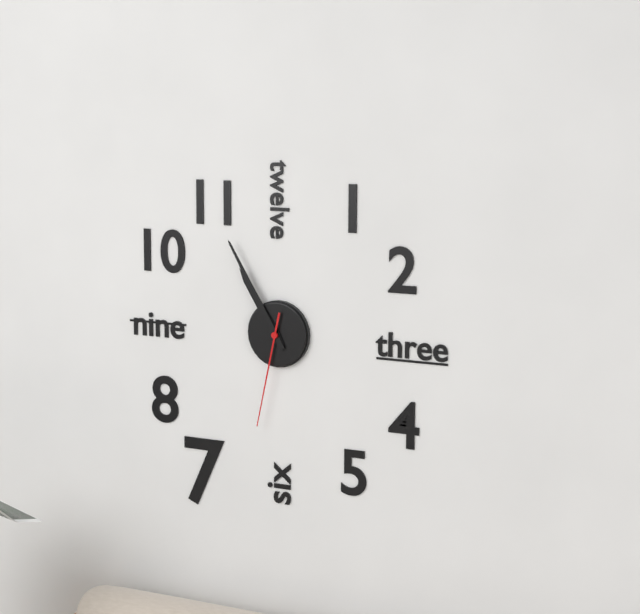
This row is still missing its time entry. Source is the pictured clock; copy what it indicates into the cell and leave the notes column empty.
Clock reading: 10:55:32
